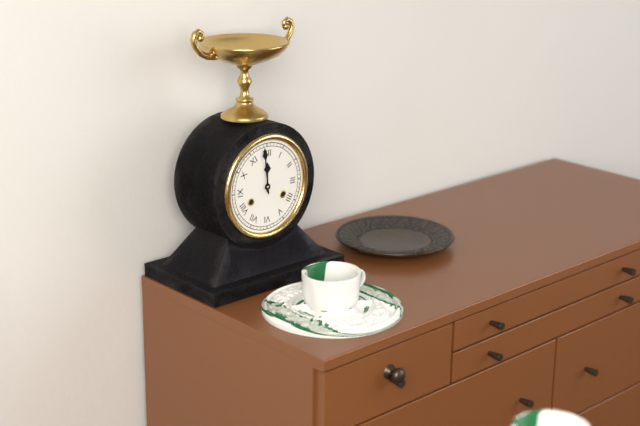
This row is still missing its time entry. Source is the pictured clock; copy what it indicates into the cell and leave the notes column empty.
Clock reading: 11:59
